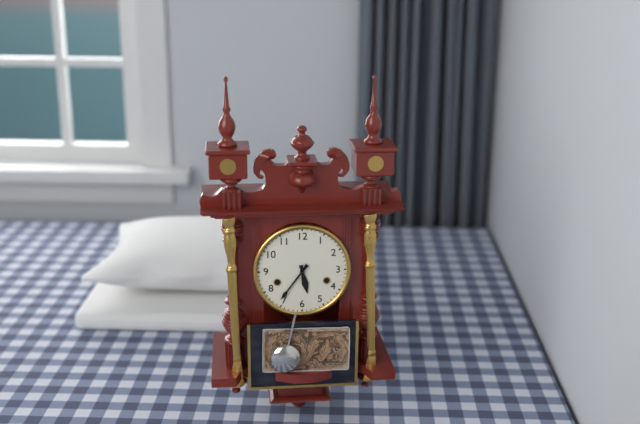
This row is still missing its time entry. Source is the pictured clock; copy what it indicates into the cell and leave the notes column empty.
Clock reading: 5:36
